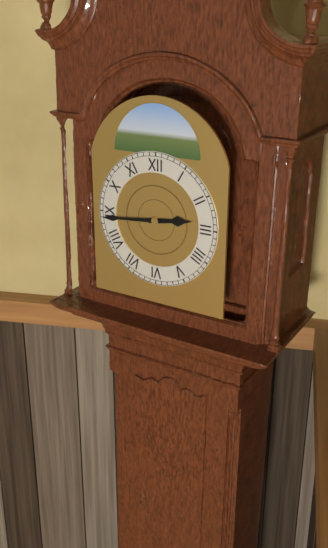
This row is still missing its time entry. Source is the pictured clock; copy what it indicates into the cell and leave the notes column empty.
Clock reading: 2:44
